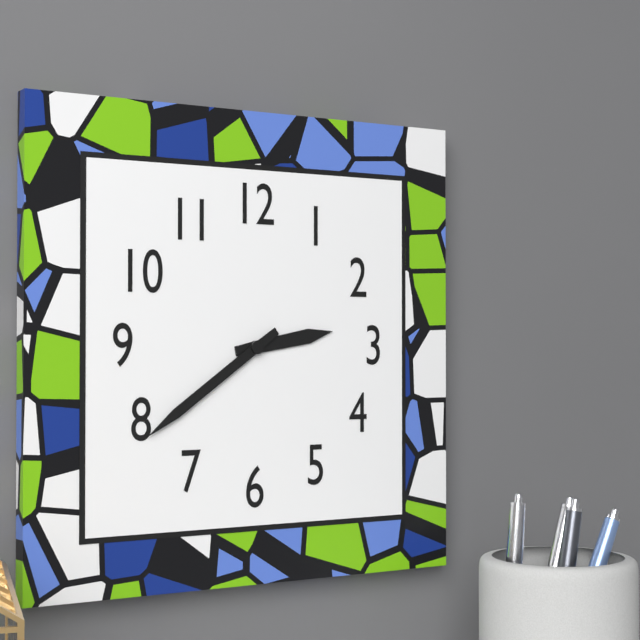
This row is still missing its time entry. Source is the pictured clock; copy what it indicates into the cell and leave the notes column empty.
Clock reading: 2:39
